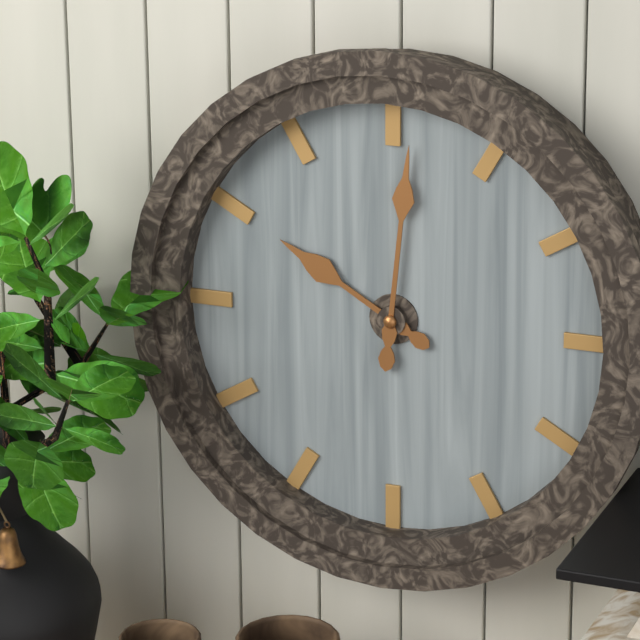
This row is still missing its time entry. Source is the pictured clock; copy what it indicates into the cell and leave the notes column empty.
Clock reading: 10:01
